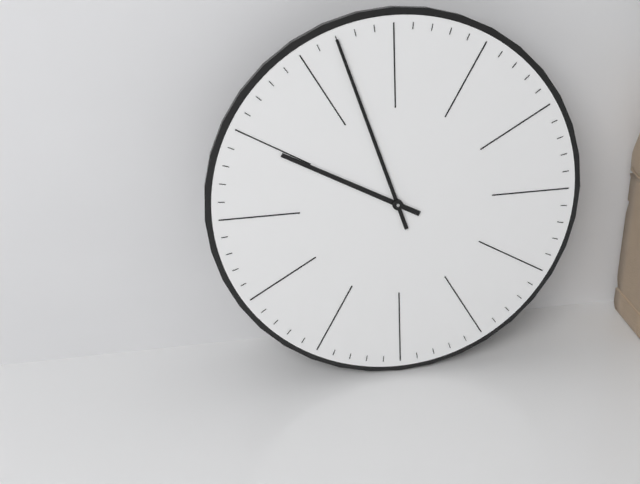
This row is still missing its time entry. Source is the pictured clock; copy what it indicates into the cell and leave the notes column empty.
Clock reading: 9:57
